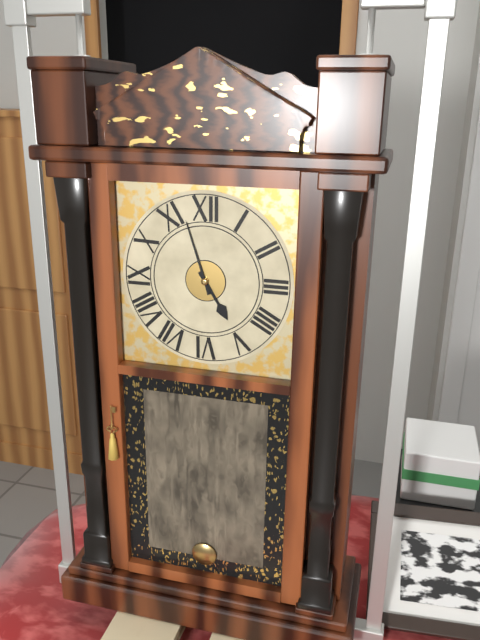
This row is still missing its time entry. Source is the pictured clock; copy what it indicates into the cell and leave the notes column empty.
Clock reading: 4:57
